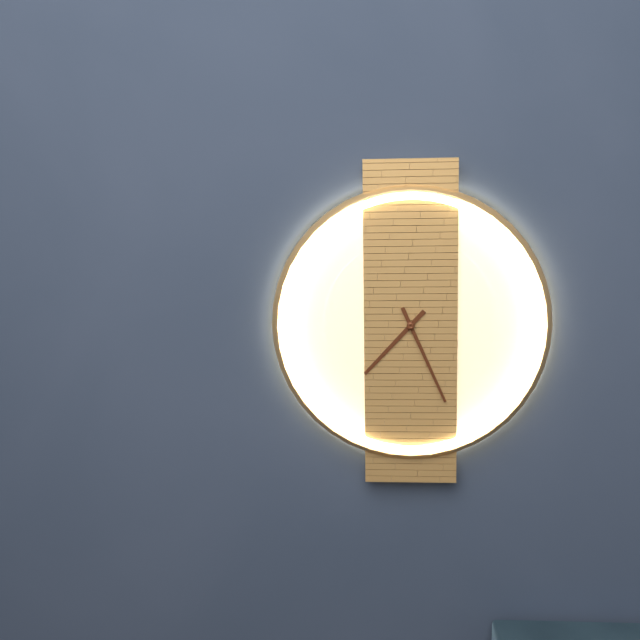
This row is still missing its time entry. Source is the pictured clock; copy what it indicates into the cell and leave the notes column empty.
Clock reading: 7:26
